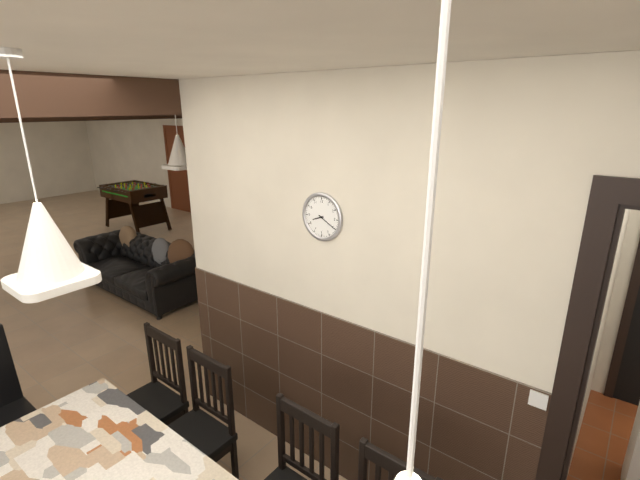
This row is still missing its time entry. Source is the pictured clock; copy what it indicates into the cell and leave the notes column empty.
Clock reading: 8:20
